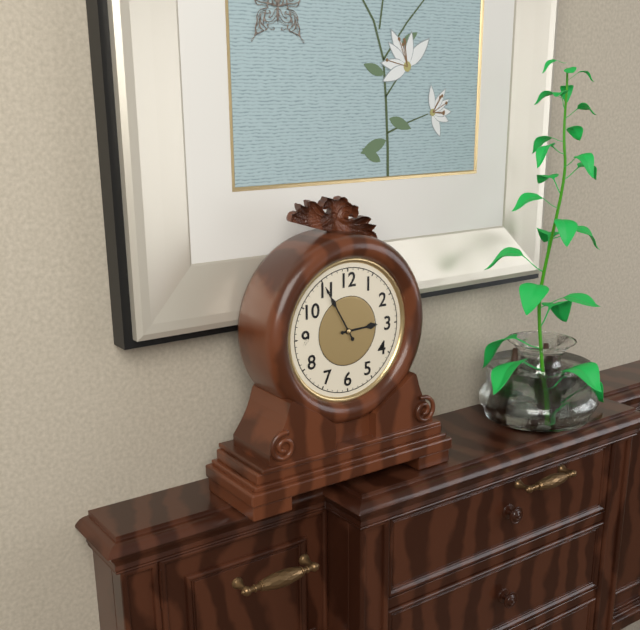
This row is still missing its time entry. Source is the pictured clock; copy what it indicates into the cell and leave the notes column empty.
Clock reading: 2:55
